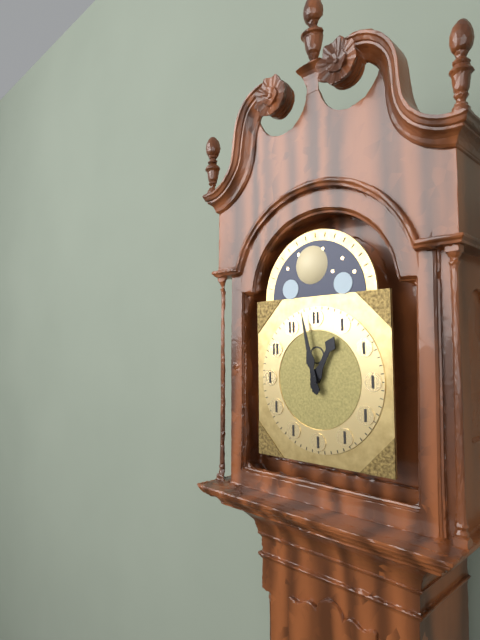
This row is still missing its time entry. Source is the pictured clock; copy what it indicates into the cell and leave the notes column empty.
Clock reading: 12:58
